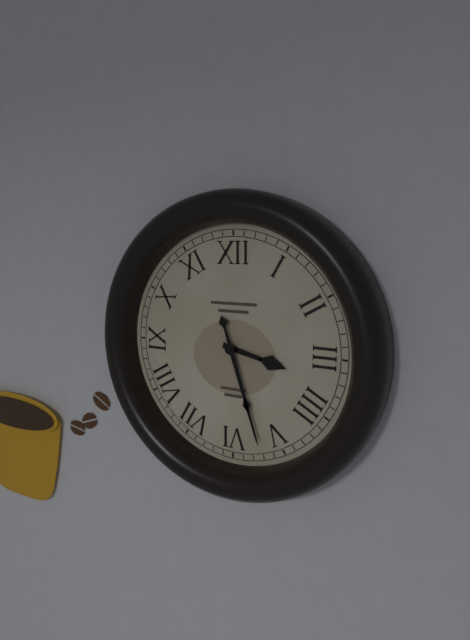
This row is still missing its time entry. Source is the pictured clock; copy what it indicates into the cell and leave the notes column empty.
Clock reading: 3:27
